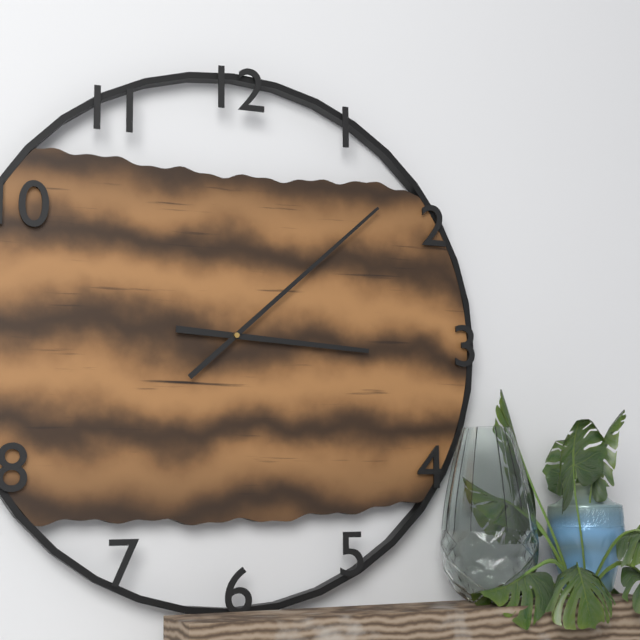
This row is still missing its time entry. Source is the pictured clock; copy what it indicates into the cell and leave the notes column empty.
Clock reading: 3:08
